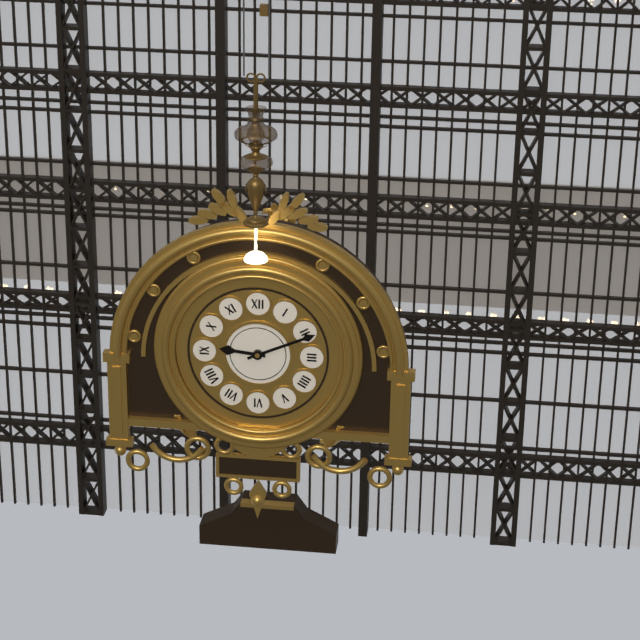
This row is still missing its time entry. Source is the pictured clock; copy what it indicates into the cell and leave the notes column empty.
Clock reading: 9:11
